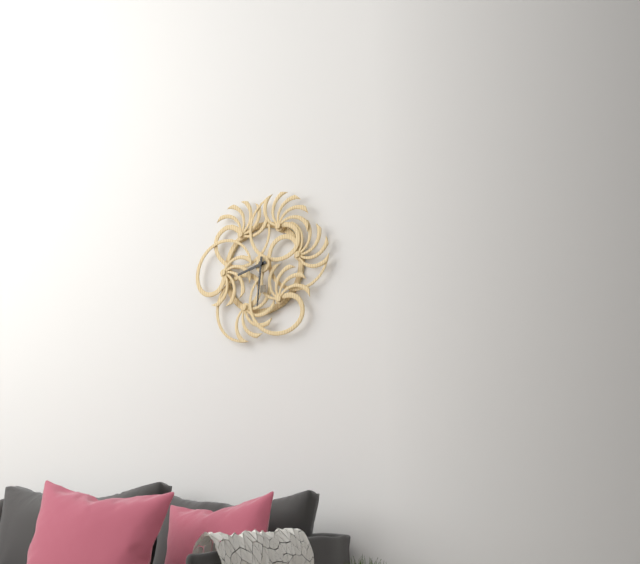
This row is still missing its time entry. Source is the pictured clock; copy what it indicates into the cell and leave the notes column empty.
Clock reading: 8:31
